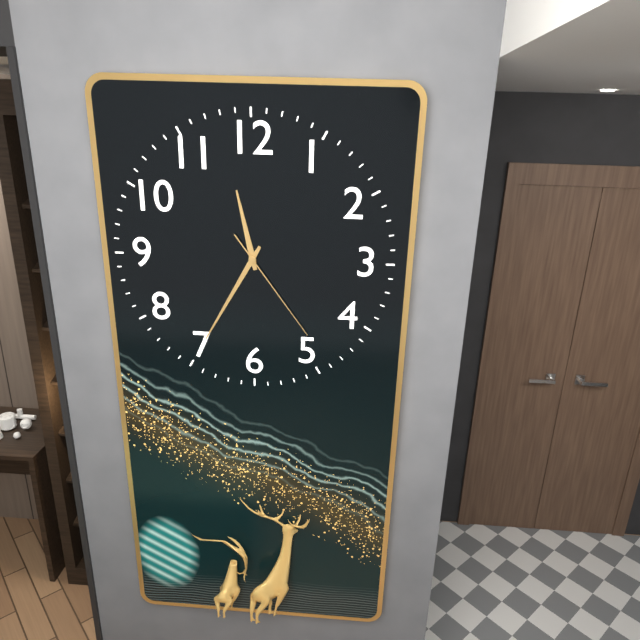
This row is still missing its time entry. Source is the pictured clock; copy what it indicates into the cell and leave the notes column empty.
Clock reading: 11:35:24
